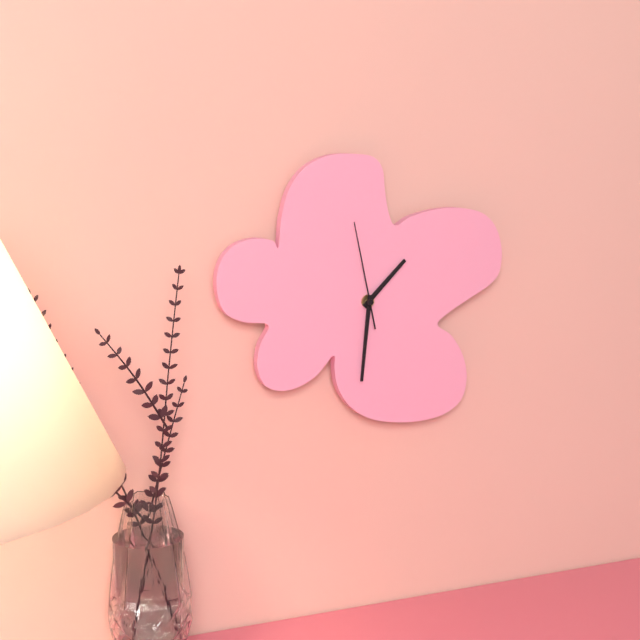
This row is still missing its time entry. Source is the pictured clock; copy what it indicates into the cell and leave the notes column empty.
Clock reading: 1:31:58
